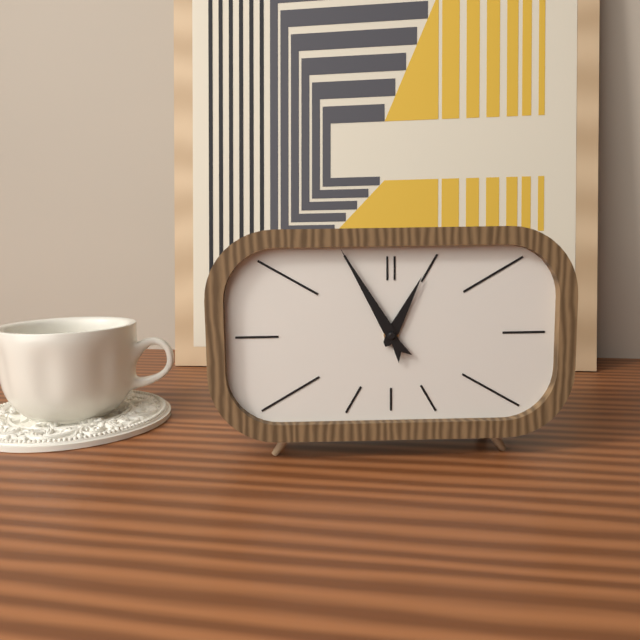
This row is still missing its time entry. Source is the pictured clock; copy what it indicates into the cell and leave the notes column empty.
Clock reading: 12:55
